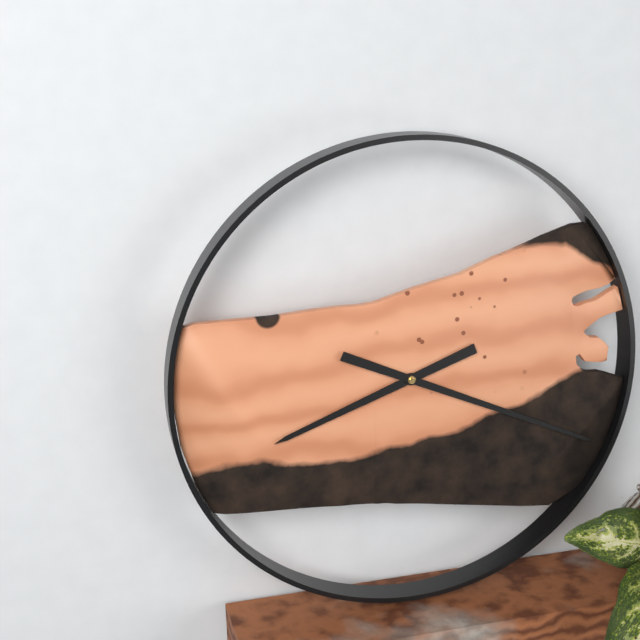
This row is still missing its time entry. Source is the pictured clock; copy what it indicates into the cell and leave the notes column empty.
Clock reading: 8:19
